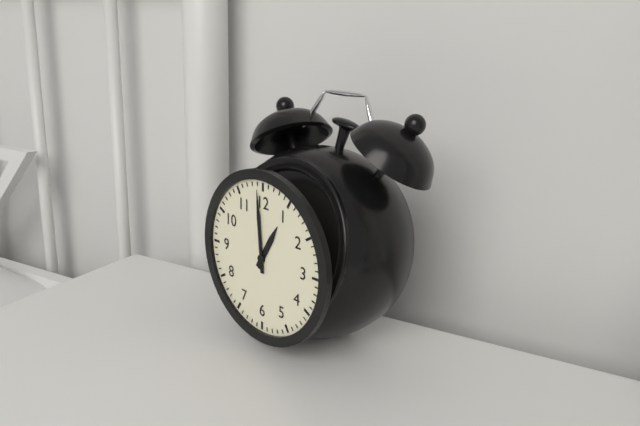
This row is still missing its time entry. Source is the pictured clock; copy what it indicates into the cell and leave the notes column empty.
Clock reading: 12:59
